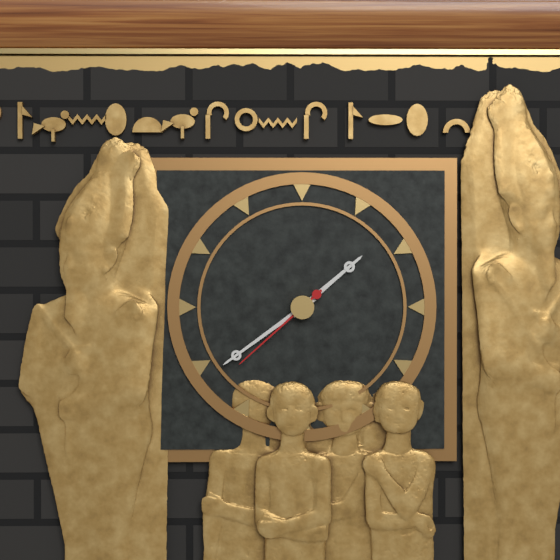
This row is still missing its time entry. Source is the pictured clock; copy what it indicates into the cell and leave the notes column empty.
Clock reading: 1:39:38
